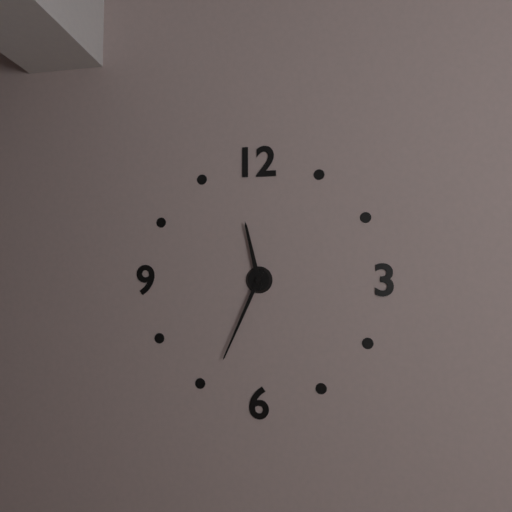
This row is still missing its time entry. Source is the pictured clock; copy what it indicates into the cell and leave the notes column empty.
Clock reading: 11:34
